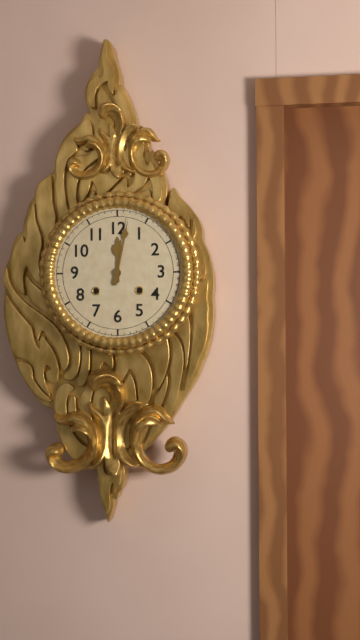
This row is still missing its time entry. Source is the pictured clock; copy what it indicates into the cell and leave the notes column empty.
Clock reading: 12:02
